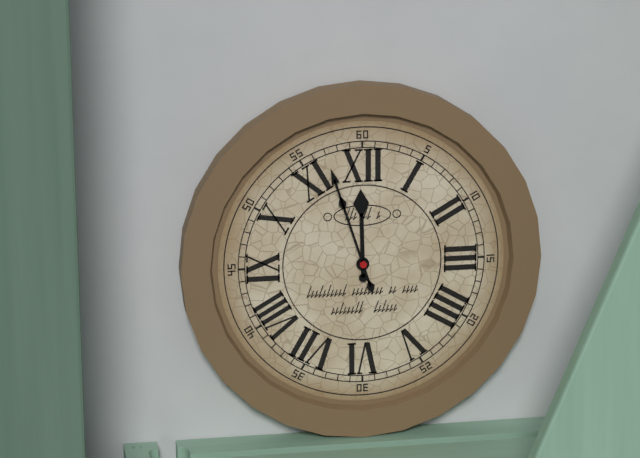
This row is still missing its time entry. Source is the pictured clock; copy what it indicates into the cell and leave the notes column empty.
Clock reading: 11:57
